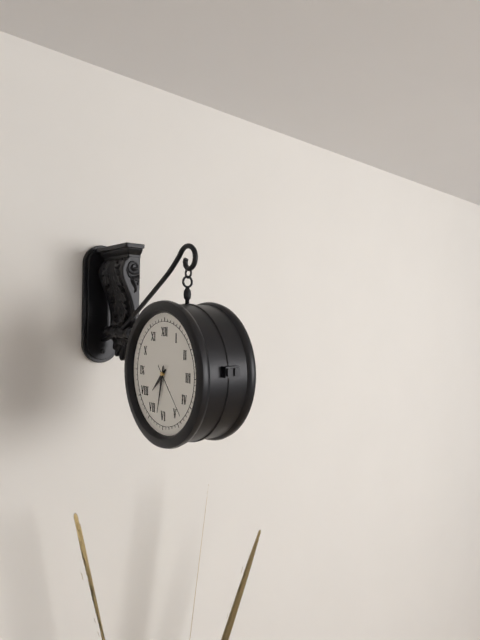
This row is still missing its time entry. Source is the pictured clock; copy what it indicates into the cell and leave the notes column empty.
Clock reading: 7:32:23
